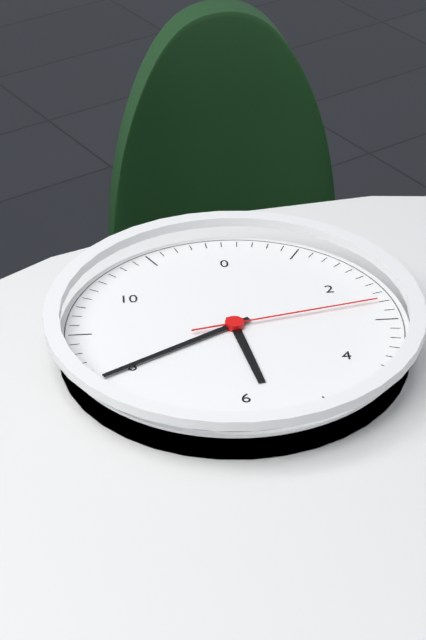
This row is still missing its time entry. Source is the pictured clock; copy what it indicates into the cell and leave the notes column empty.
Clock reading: 5:40:13
